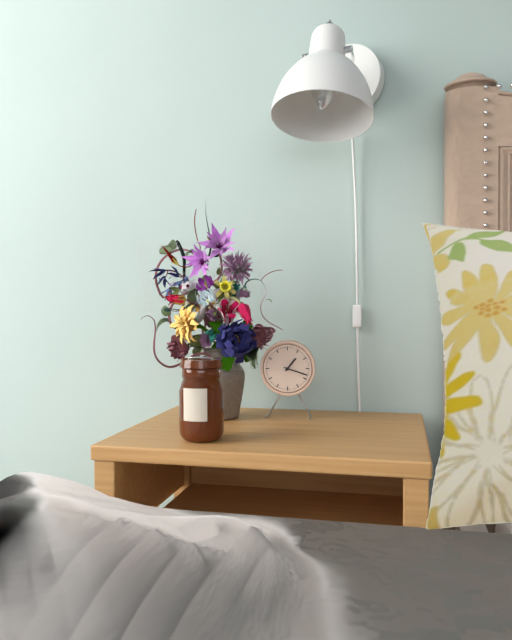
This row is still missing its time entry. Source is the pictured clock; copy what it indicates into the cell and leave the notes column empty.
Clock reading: 1:18
